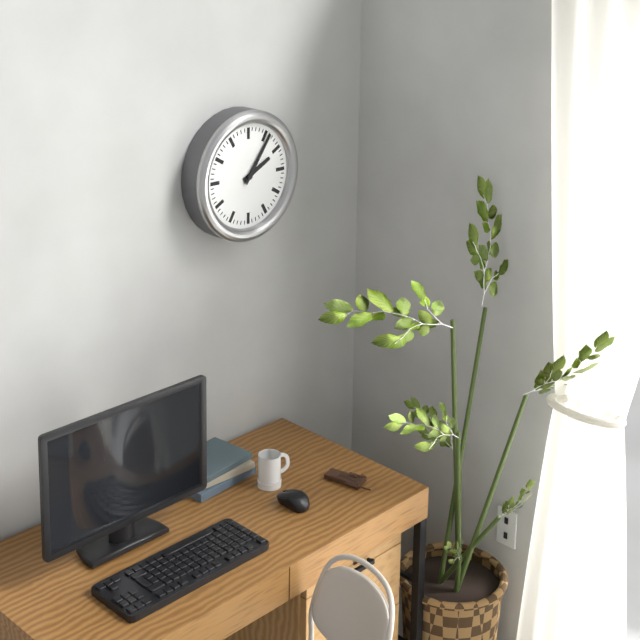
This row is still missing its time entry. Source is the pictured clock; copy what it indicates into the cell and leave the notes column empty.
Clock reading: 2:06
